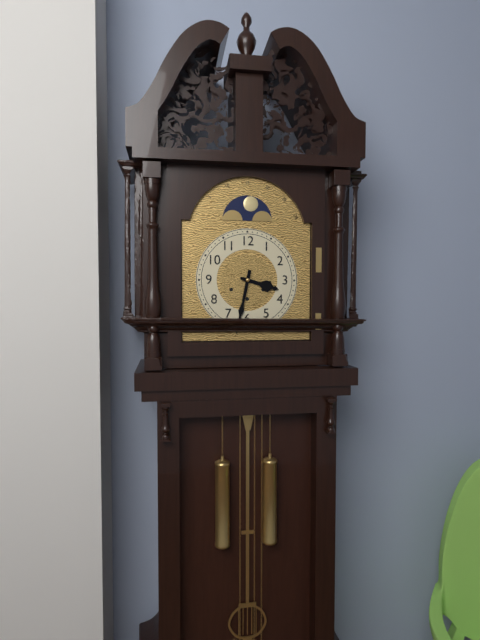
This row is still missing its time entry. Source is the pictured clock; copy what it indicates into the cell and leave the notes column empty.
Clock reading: 3:32
